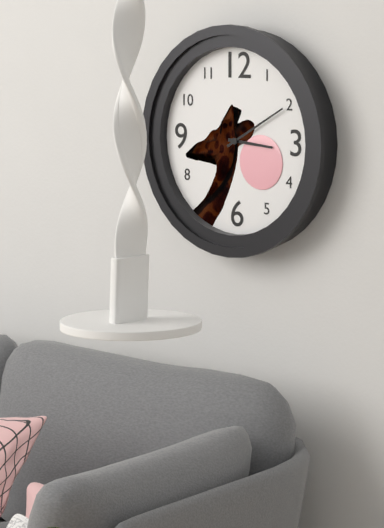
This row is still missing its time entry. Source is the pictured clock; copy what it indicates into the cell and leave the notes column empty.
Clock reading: 3:10
